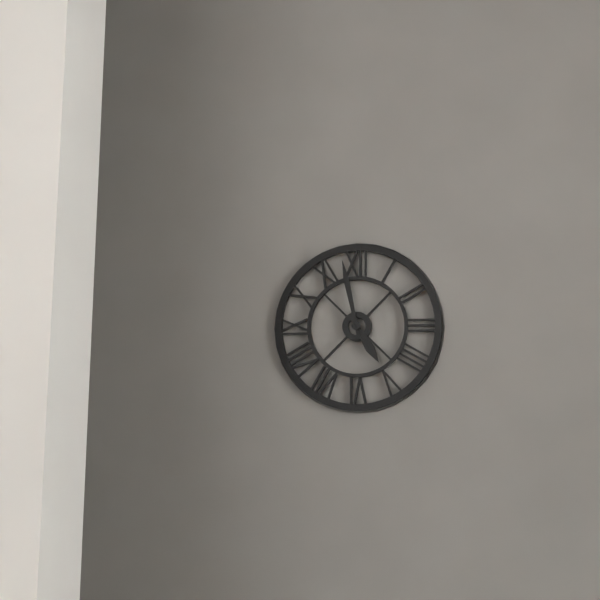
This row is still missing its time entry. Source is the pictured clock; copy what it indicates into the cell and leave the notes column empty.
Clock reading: 4:58
